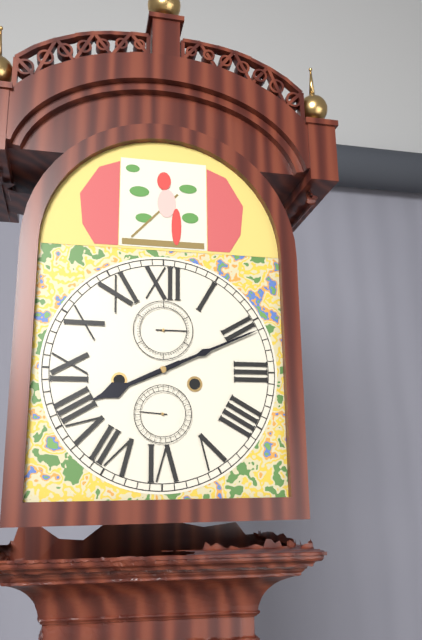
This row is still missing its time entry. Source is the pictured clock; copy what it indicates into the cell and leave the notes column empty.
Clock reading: 8:11
